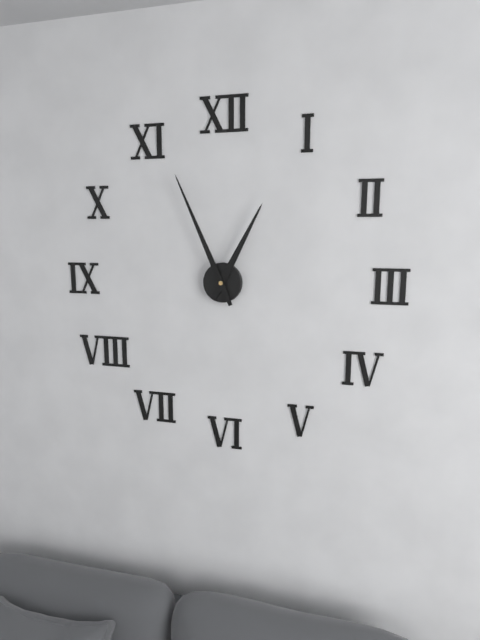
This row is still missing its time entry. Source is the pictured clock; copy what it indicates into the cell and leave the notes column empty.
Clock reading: 12:56
